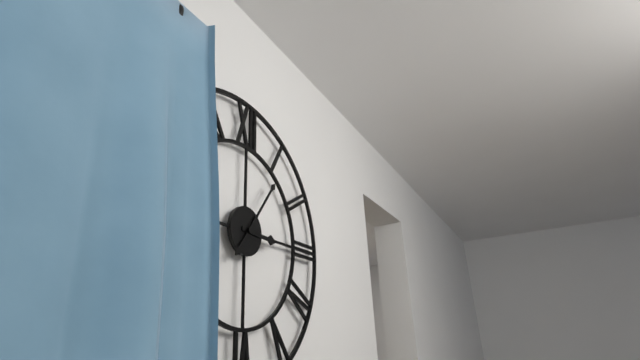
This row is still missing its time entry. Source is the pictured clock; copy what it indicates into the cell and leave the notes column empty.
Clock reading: 3:06
